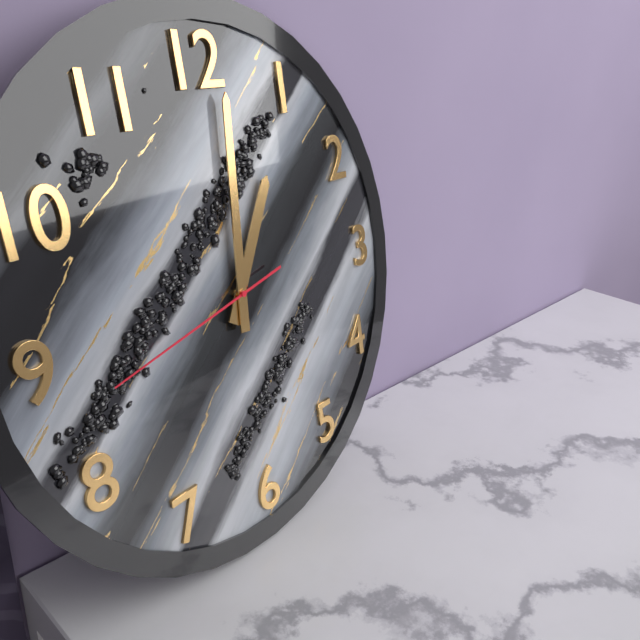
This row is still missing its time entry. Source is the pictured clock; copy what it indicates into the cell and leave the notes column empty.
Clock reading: 1:01:43
